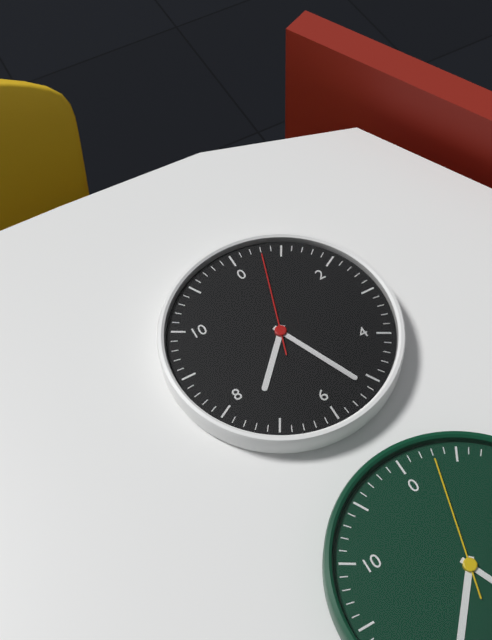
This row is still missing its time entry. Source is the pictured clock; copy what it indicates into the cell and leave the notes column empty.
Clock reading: 7:26:03
